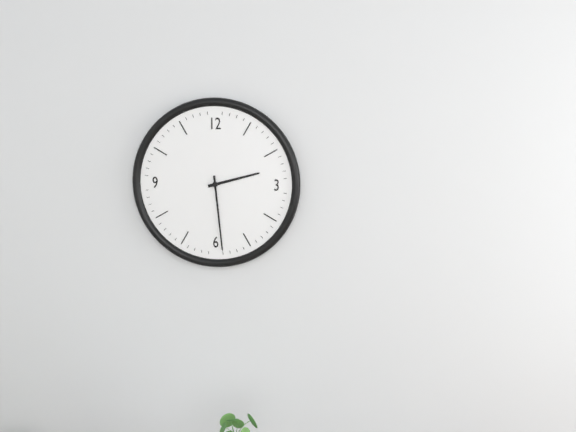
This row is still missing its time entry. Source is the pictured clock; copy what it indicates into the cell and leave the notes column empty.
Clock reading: 2:29
